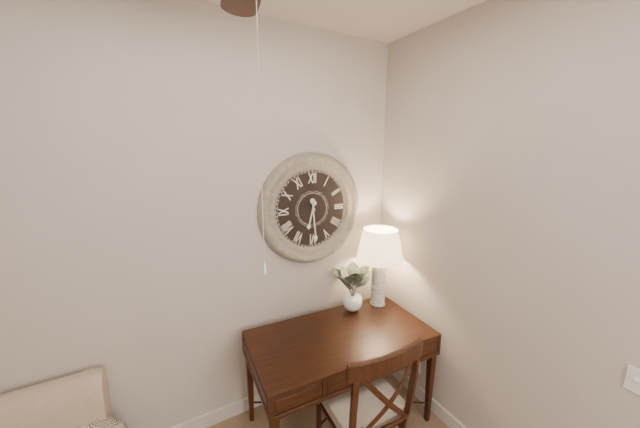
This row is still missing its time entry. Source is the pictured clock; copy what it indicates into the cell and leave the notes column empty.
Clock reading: 6:29
